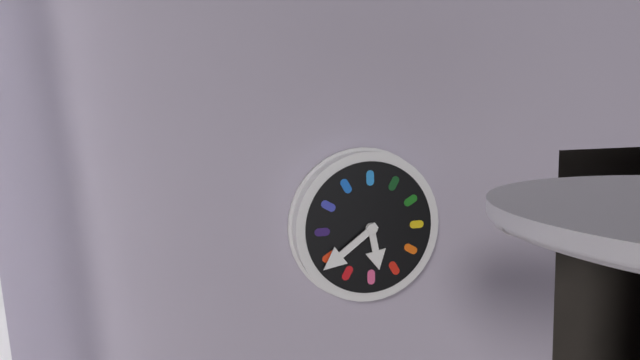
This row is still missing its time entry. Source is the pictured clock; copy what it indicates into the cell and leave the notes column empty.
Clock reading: 5:39
